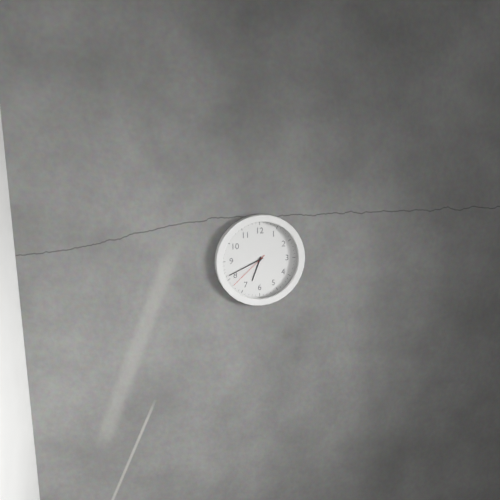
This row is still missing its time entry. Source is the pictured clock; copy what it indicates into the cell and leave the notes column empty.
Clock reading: 6:41
